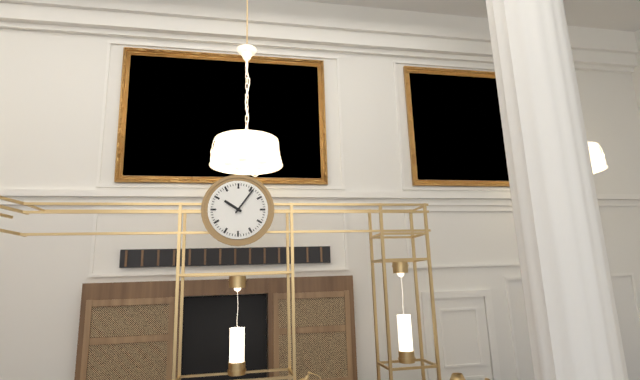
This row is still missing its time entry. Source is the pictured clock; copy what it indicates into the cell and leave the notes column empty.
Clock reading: 10:06
